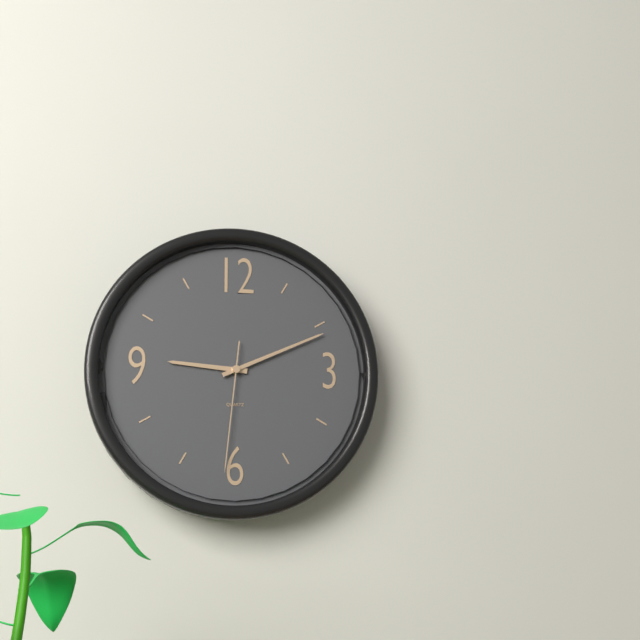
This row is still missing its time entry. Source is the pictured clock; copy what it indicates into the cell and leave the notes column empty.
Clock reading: 9:11:31
